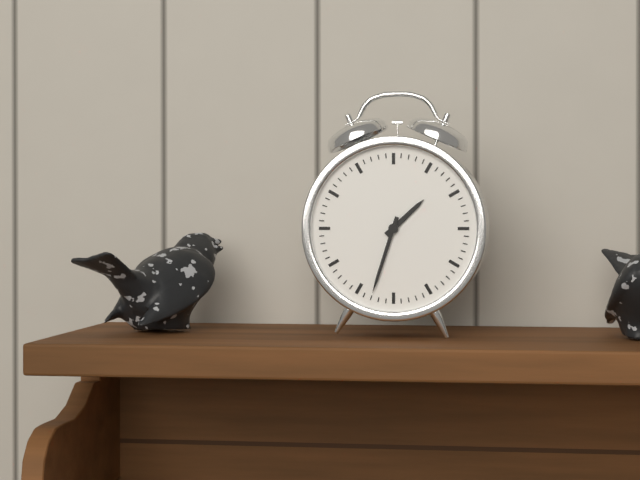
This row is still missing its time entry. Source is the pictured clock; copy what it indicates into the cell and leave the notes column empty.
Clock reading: 1:33
